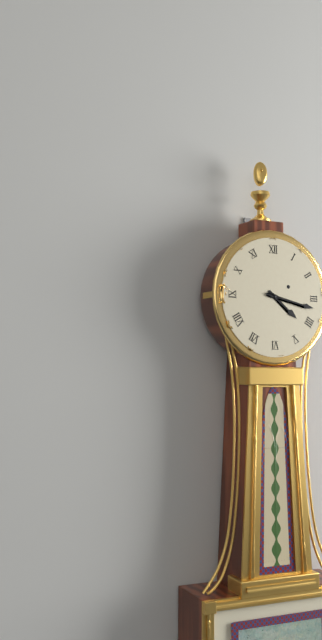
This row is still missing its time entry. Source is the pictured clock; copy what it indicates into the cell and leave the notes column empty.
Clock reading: 4:17
